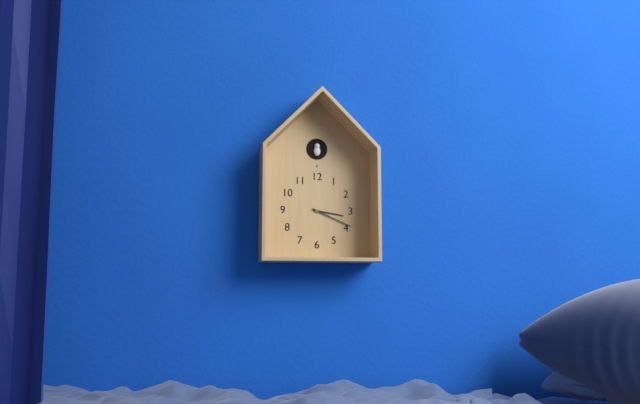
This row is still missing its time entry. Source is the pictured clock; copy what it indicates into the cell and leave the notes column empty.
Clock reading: 3:19
